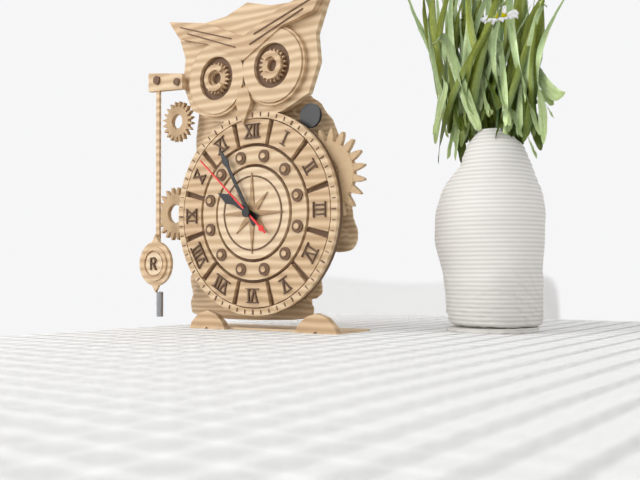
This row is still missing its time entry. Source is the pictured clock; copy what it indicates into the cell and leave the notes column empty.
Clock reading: 9:55:52
